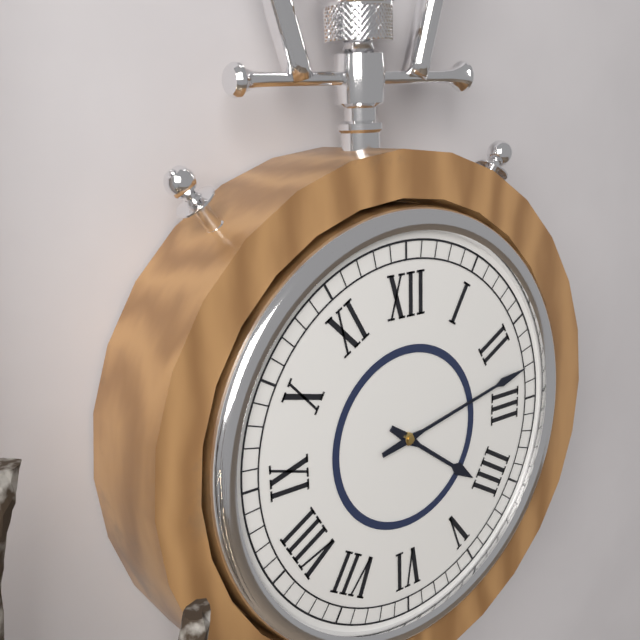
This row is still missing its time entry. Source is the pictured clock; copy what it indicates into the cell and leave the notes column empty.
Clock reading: 4:13
